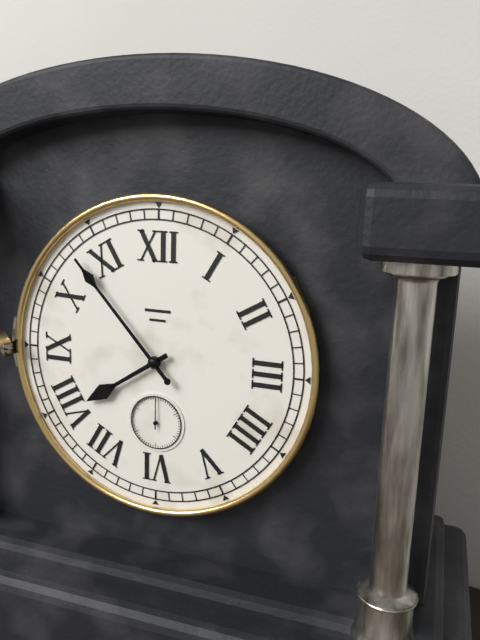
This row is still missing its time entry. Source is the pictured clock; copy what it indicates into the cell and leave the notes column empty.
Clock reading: 7:53
